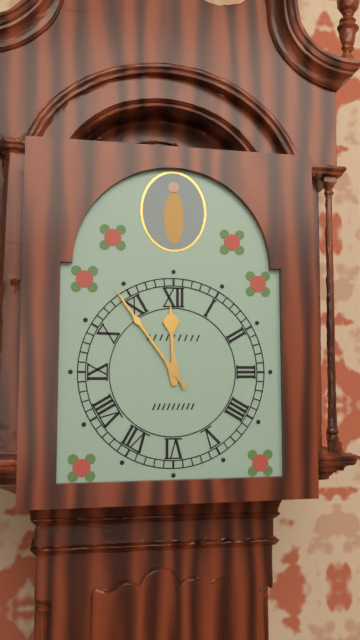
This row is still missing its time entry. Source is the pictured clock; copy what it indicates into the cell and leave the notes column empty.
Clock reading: 11:54
